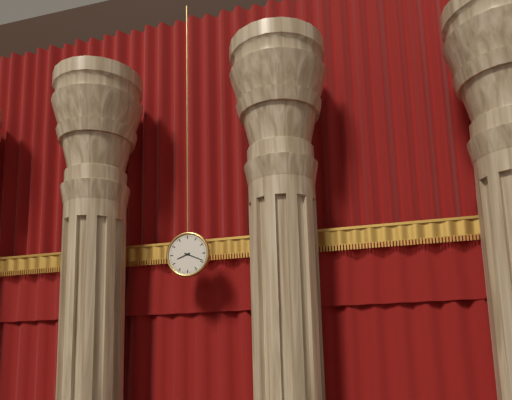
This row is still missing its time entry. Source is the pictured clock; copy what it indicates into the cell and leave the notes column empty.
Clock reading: 8:19
